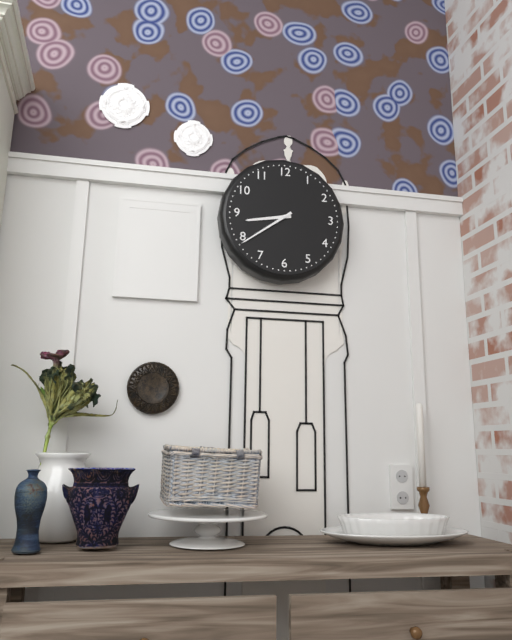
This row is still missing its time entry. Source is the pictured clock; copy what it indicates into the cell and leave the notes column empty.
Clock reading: 8:39
